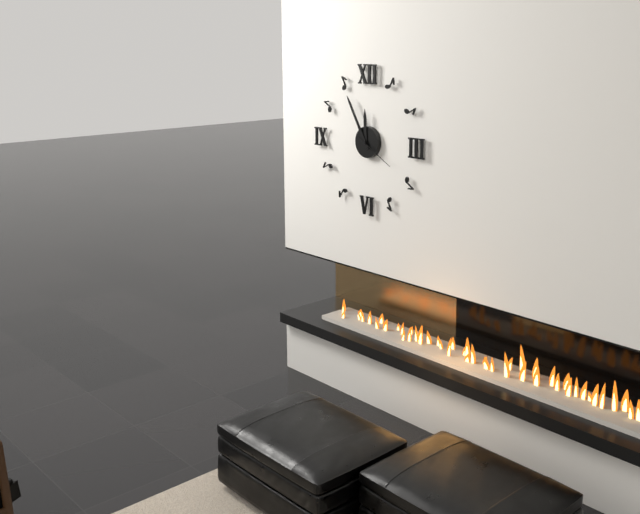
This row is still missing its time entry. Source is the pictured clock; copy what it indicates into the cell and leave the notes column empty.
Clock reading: 11:55
